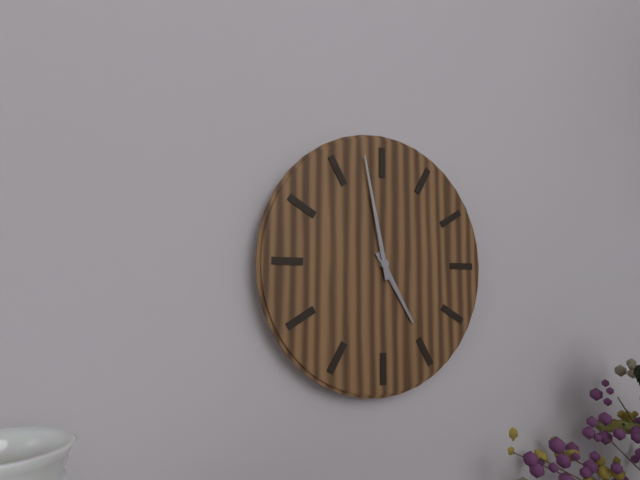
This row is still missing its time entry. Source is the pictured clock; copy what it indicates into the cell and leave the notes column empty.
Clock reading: 4:58
